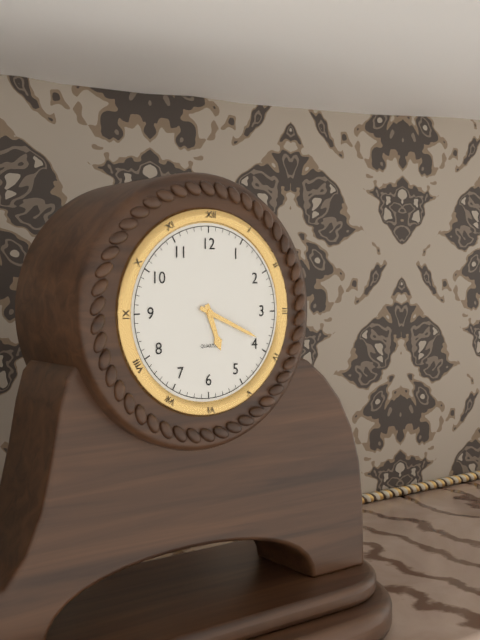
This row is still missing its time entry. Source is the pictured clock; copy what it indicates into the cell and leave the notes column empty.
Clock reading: 5:19
